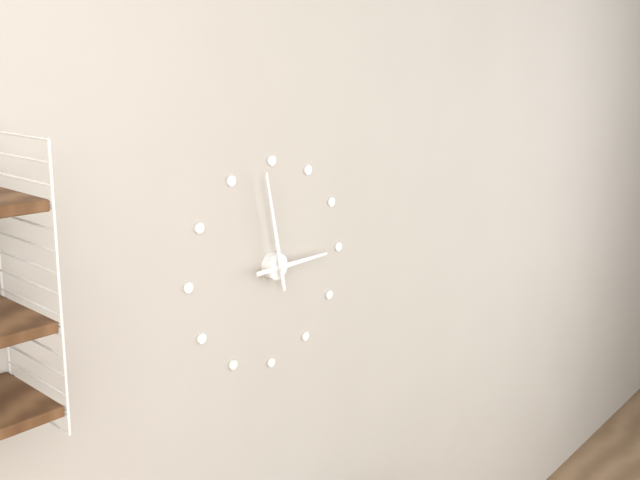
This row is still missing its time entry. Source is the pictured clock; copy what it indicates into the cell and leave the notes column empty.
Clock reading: 2:58
